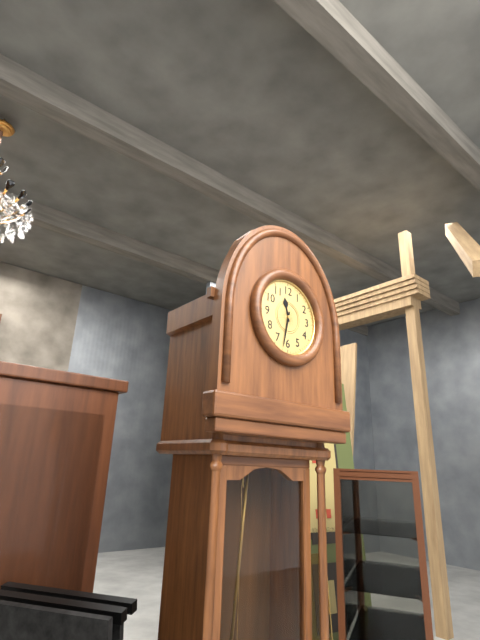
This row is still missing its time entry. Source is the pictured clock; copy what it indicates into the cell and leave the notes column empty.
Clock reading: 11:32
